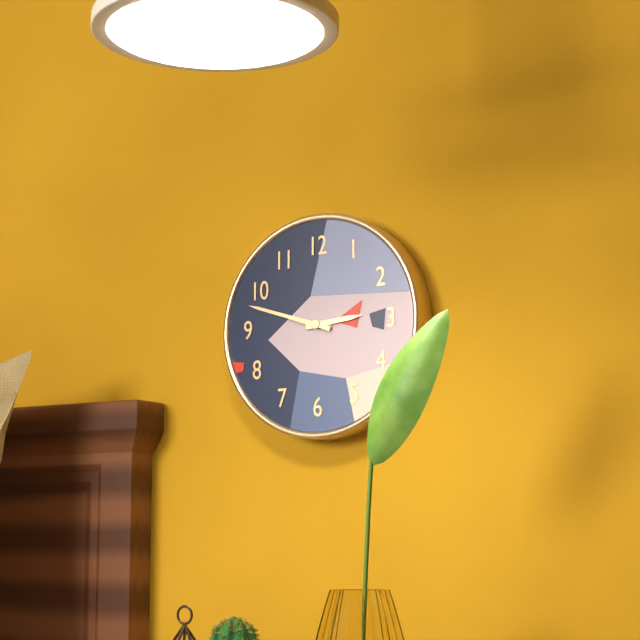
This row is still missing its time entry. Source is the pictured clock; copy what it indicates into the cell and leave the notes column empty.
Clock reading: 2:48
